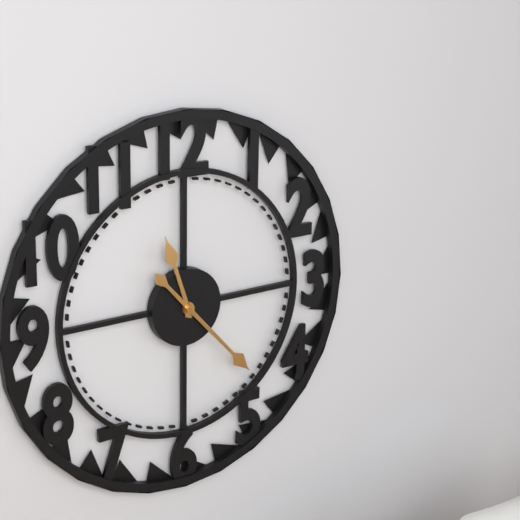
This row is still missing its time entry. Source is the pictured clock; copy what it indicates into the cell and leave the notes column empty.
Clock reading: 11:23
